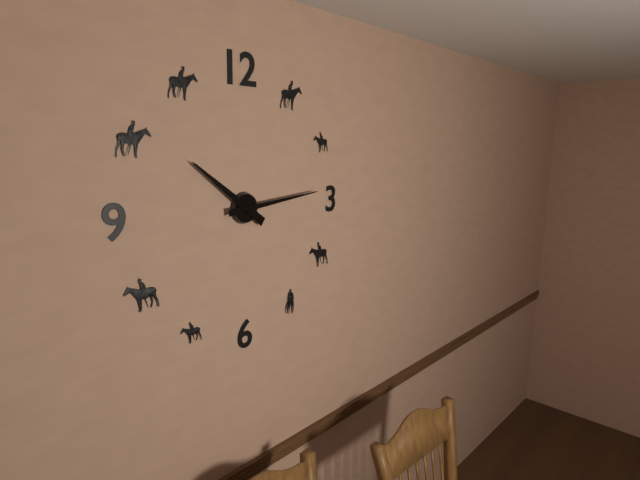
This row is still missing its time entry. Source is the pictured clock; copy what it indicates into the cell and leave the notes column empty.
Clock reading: 10:14
